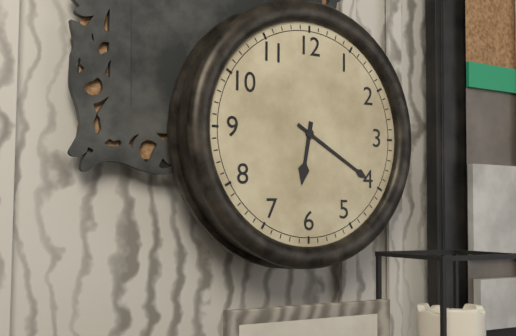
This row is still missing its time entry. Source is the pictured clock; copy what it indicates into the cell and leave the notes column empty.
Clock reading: 6:20
